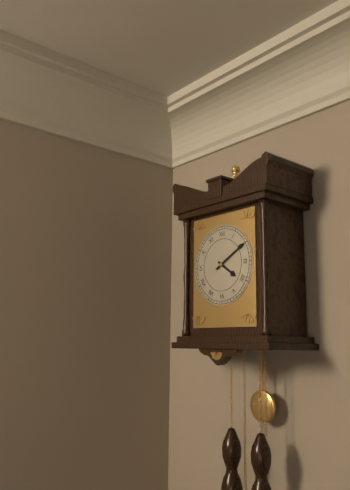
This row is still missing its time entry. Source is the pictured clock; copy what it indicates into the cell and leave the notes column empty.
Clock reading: 4:10
